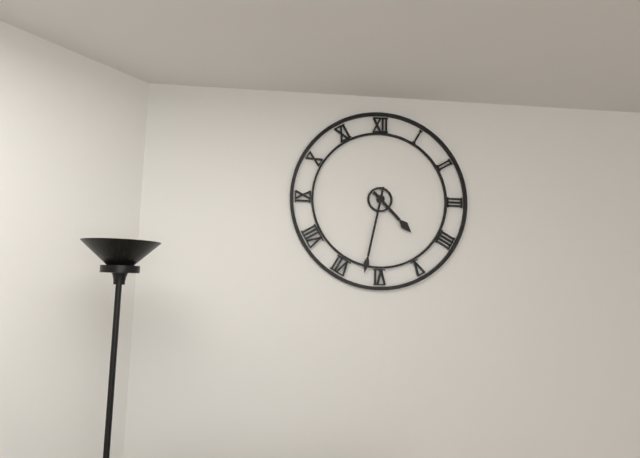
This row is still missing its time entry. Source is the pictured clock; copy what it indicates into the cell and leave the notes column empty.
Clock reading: 4:32
